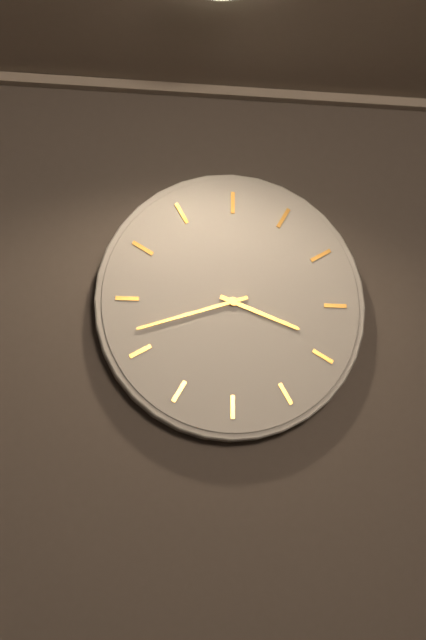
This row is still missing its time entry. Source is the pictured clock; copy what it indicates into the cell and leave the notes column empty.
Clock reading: 3:42
